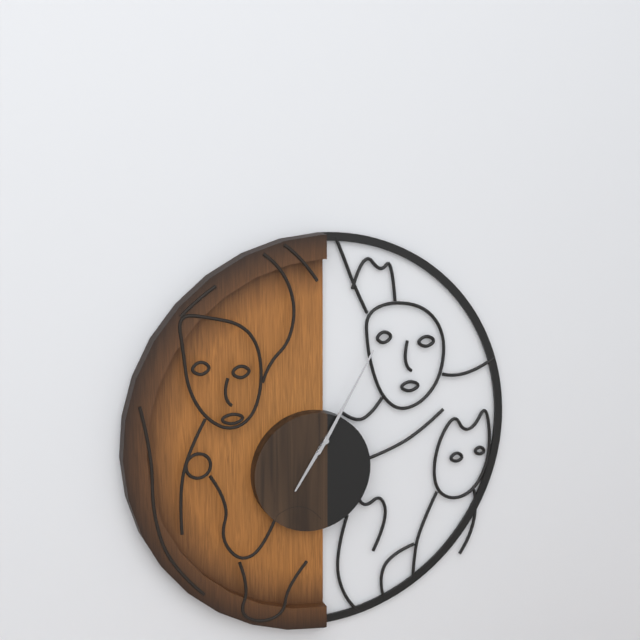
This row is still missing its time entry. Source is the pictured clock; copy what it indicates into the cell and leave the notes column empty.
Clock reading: 7:05
